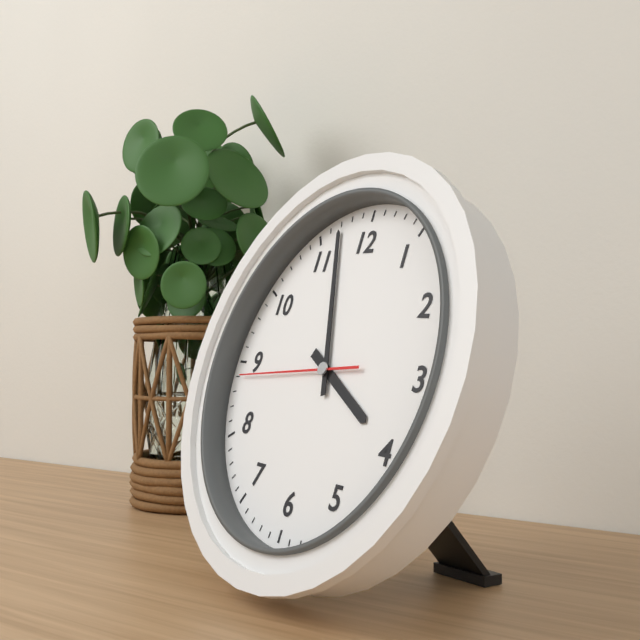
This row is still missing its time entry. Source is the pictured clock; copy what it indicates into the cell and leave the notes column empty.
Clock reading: 3:57:44
